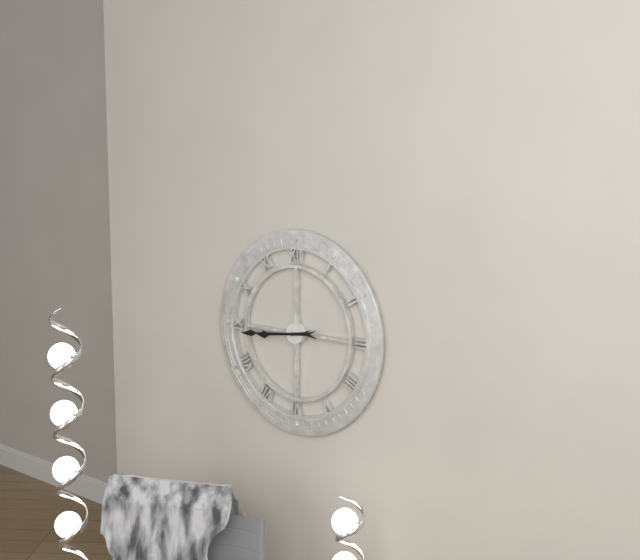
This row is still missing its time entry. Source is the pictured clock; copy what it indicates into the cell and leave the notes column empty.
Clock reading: 8:44
